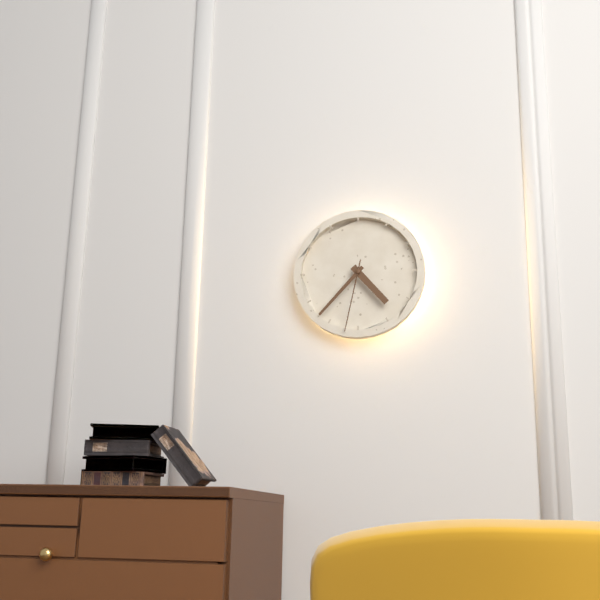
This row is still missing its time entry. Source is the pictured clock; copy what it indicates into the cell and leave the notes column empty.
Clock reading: 4:37:32
